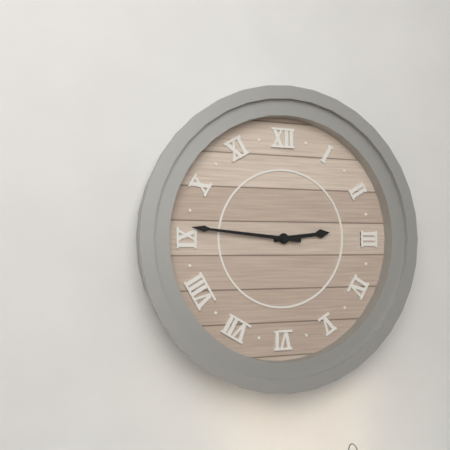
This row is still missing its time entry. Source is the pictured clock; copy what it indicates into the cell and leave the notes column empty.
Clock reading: 2:46
